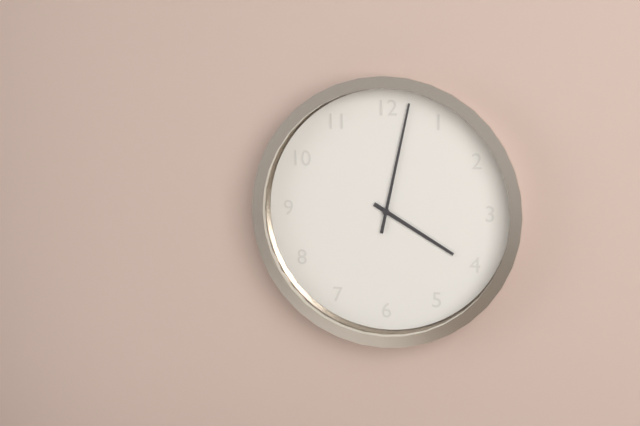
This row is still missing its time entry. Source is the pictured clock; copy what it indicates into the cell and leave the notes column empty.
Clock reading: 4:02
